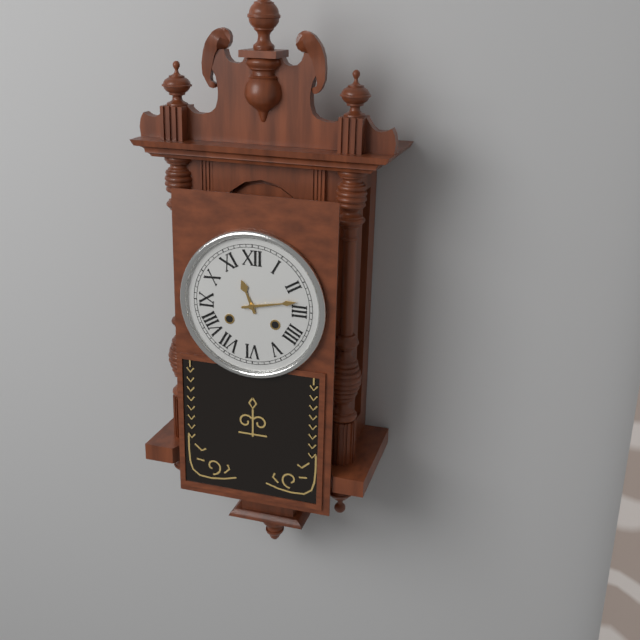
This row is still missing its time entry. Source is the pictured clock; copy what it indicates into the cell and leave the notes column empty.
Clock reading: 11:13
